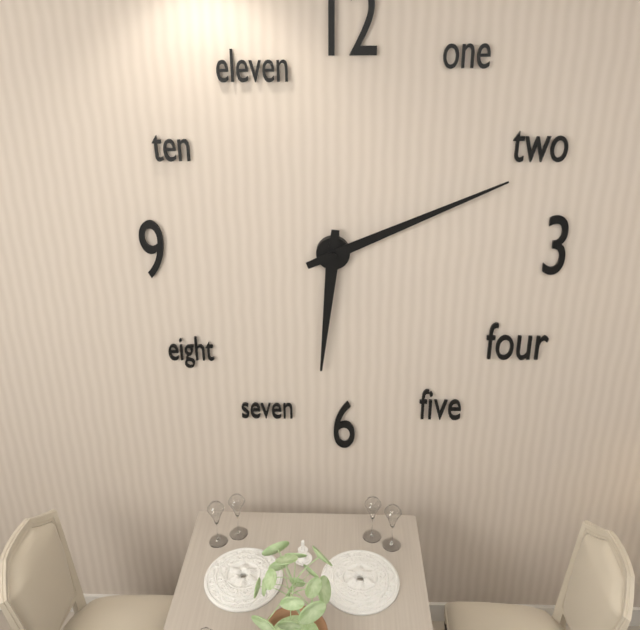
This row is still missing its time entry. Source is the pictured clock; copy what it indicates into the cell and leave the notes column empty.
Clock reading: 6:11
